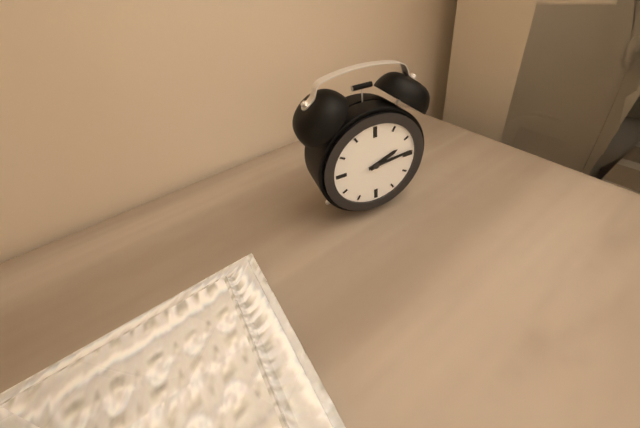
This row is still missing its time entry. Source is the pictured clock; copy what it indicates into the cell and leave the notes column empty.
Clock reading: 2:14
